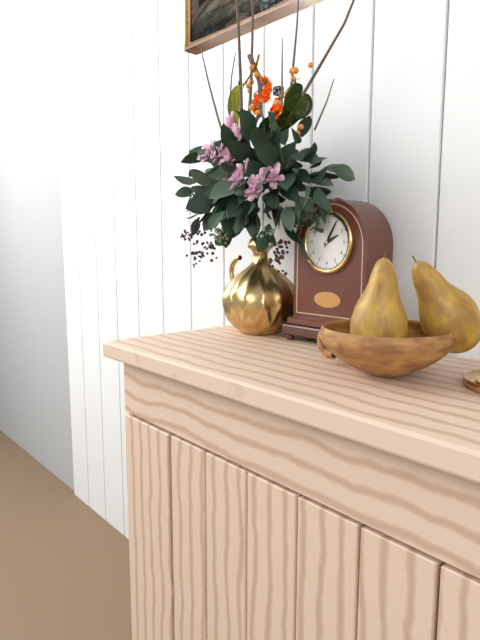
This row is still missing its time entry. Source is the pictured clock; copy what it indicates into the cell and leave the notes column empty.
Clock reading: 2:05
